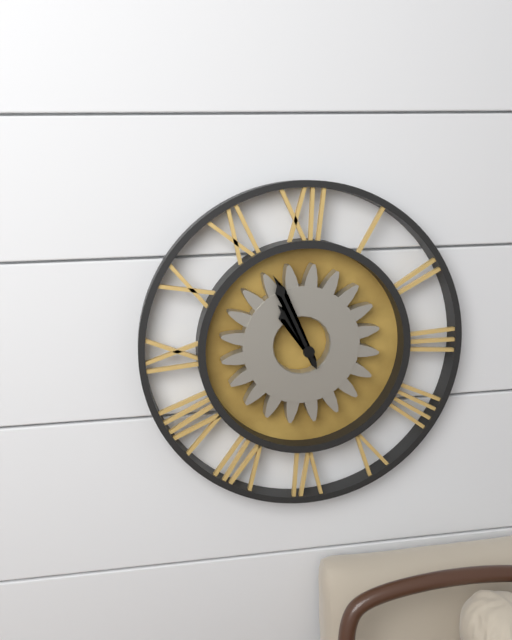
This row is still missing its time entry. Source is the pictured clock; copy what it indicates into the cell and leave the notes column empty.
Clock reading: 10:56
